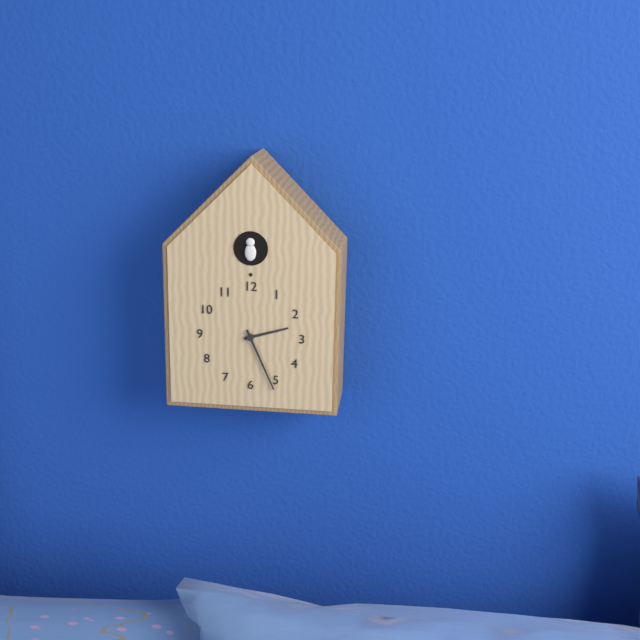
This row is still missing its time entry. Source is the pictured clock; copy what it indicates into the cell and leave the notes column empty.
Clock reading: 2:26
